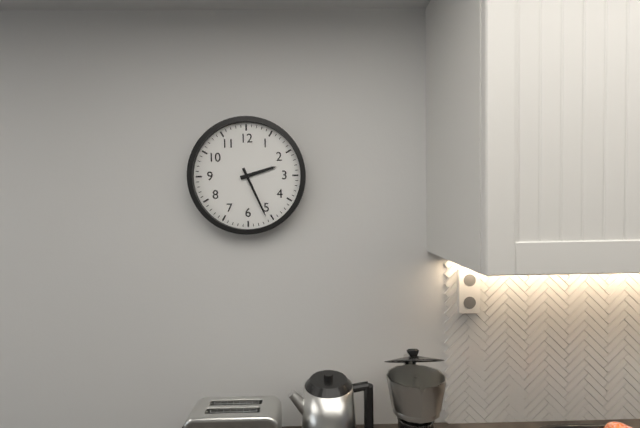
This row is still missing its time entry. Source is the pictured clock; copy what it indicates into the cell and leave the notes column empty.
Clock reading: 2:26
